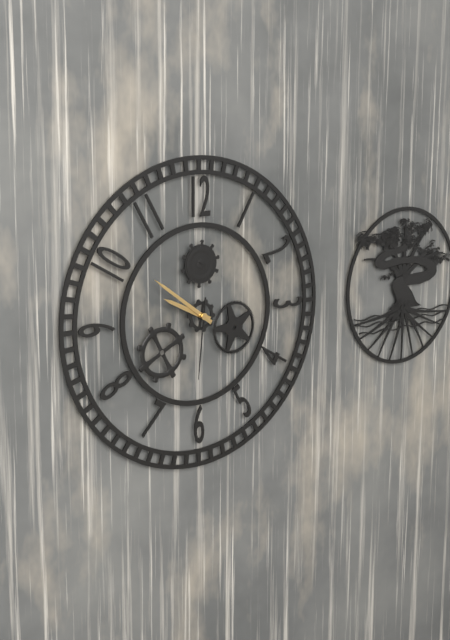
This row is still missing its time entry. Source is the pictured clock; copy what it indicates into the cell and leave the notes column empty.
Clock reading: 9:51:31
